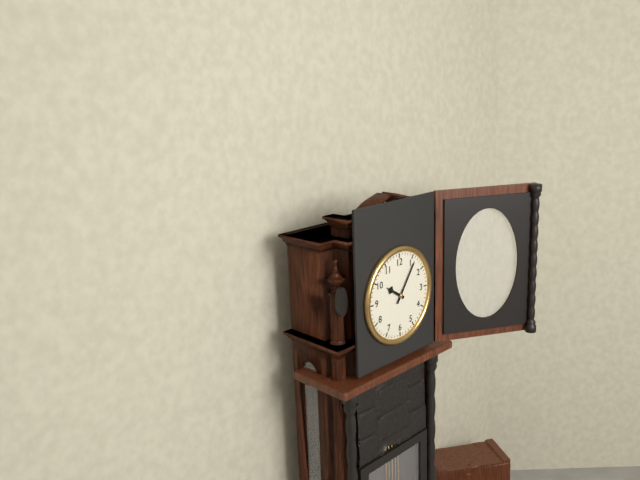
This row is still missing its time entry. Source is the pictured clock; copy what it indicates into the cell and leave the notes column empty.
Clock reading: 10:06
